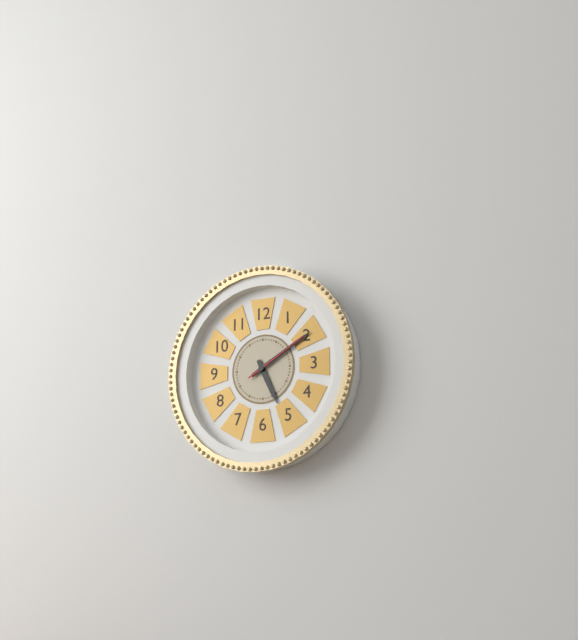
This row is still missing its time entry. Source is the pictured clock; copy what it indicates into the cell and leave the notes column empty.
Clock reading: 5:10:10
